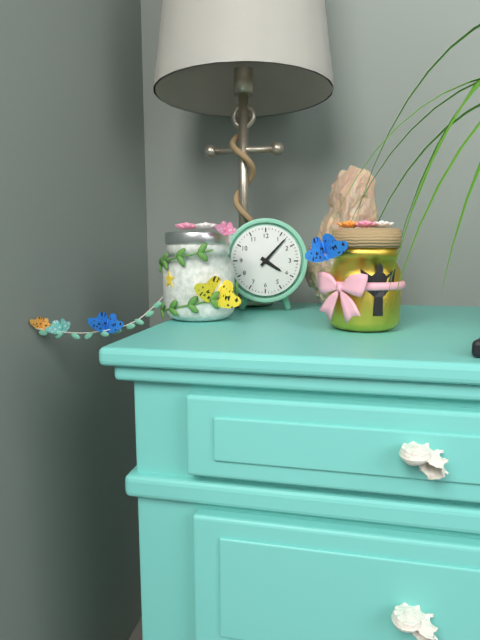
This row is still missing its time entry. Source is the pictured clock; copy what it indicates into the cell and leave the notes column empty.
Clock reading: 4:07
